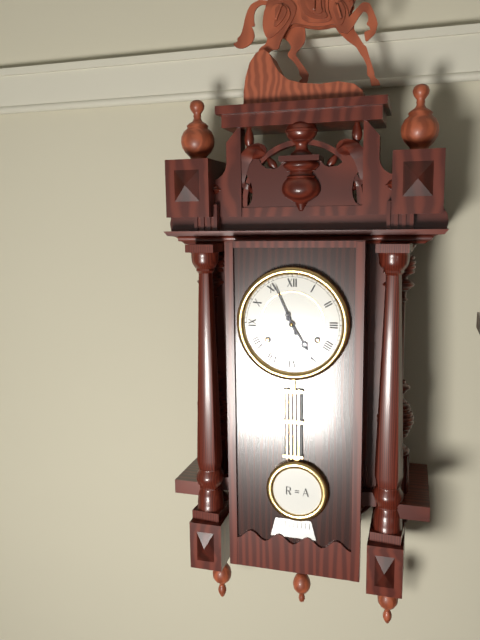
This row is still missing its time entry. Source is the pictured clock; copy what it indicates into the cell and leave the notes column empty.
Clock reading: 4:56
